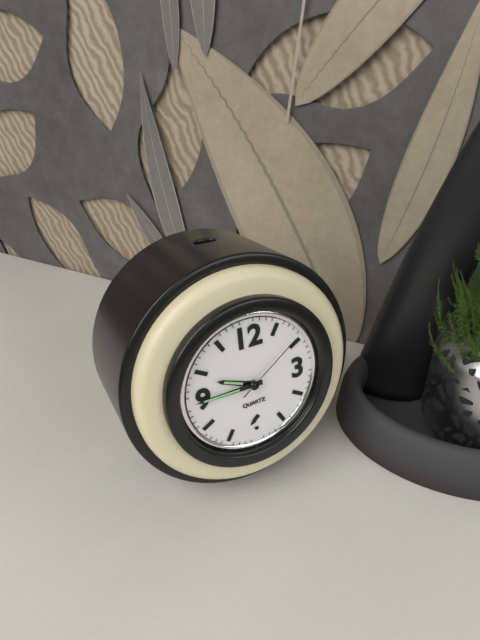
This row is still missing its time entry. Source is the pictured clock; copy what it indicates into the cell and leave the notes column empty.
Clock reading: 9:45:09
